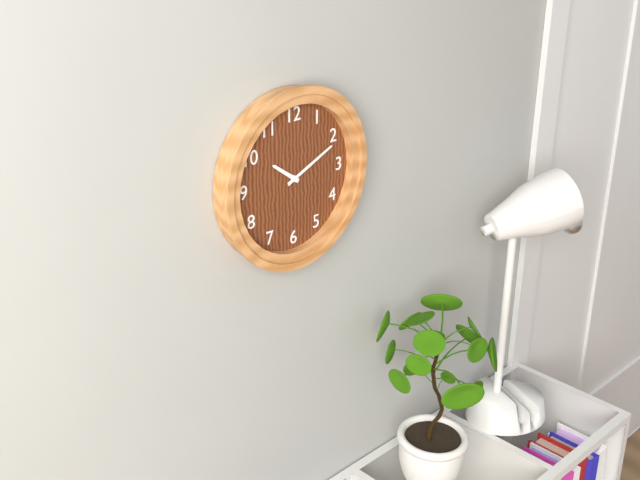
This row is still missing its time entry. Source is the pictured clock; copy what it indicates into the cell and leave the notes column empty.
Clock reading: 10:11
